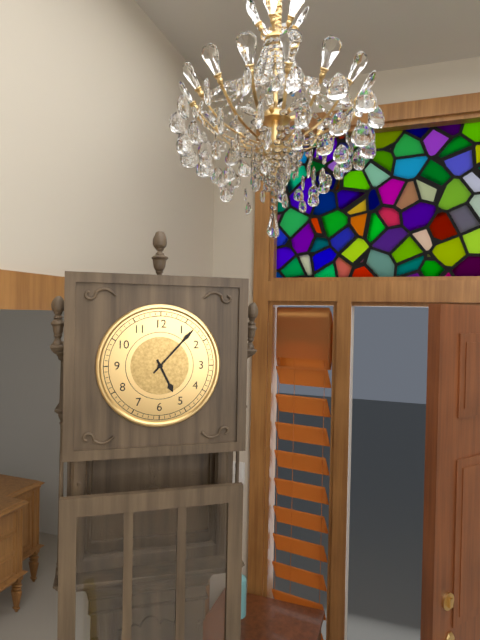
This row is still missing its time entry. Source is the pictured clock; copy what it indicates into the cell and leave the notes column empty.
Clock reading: 5:07
